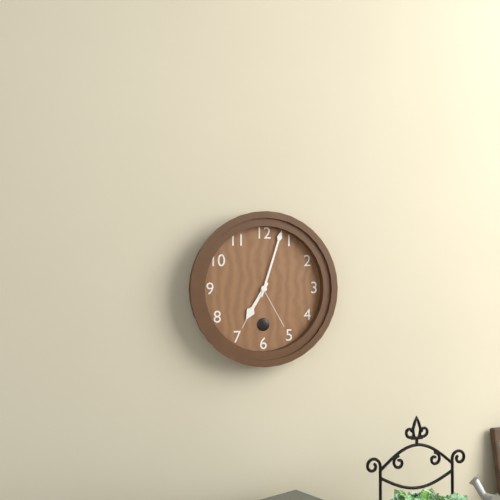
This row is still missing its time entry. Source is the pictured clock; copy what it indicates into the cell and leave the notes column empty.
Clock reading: 7:03
